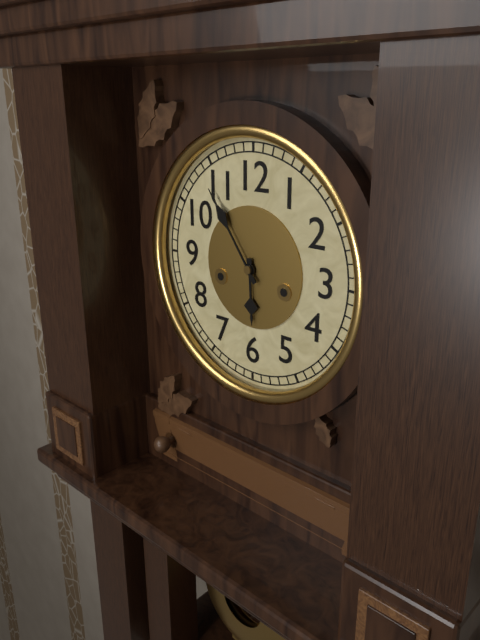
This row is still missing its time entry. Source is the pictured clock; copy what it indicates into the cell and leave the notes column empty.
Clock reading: 5:54
